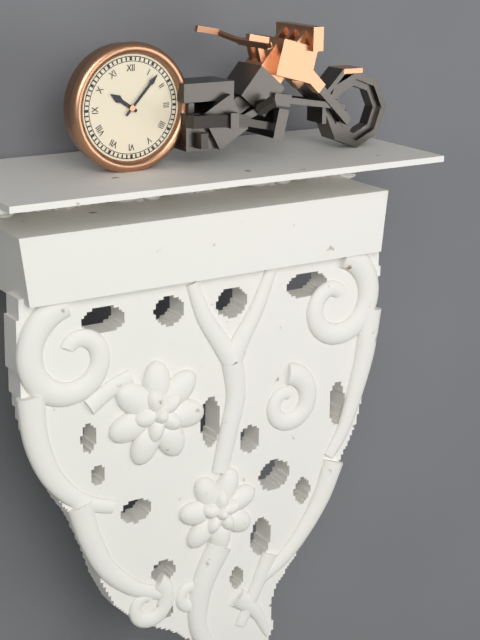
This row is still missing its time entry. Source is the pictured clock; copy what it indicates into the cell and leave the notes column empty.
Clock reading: 10:07
